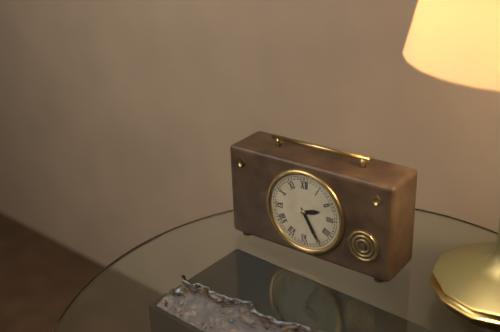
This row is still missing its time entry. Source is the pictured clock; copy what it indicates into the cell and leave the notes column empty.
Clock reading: 2:25
